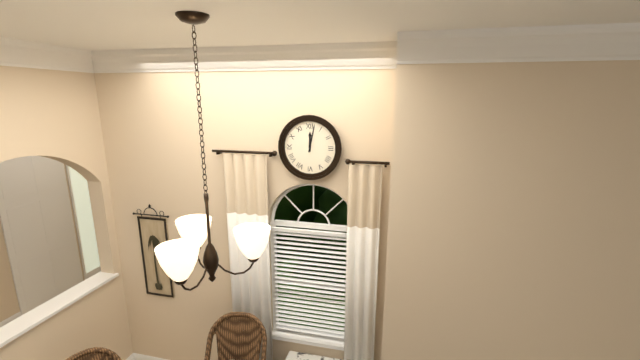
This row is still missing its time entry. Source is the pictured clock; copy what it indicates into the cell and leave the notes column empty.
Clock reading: 12:02
